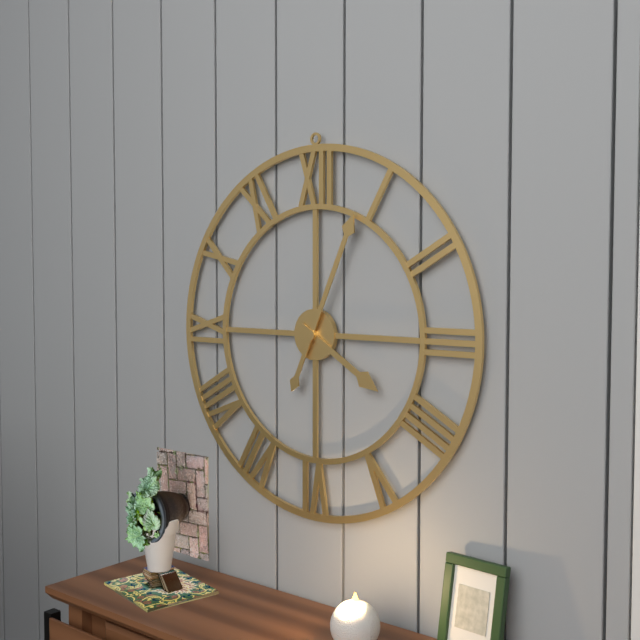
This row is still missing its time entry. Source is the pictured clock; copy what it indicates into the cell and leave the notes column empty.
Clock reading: 4:04
